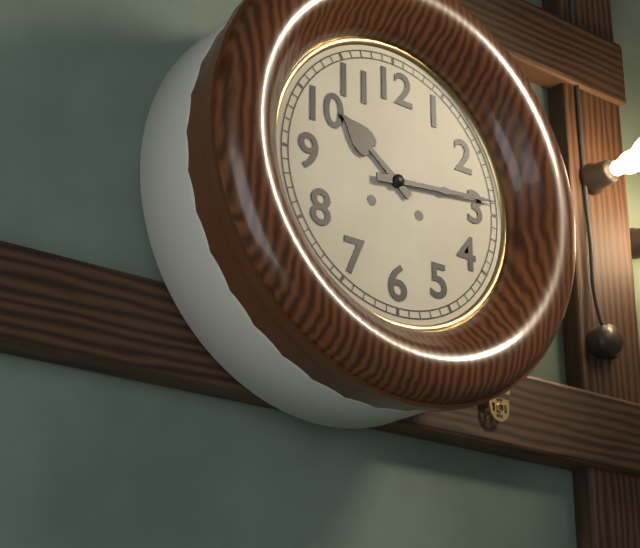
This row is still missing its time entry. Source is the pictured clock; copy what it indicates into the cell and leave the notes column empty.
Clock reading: 10:14
